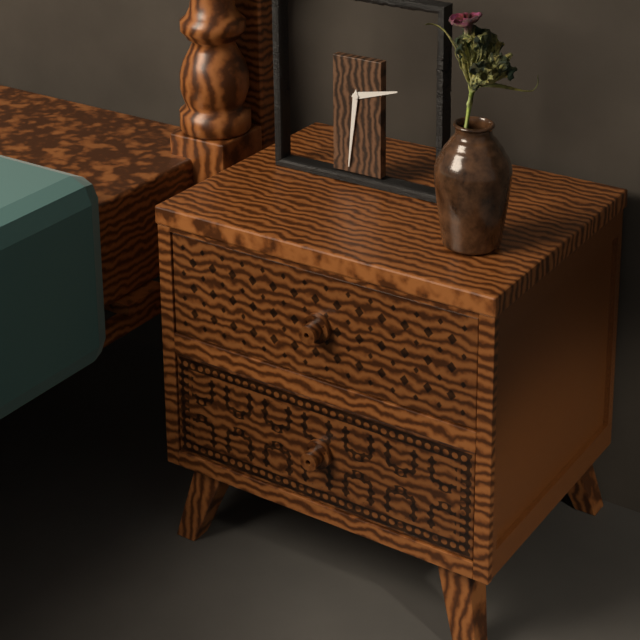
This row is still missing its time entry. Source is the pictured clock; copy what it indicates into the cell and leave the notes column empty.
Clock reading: 2:31
